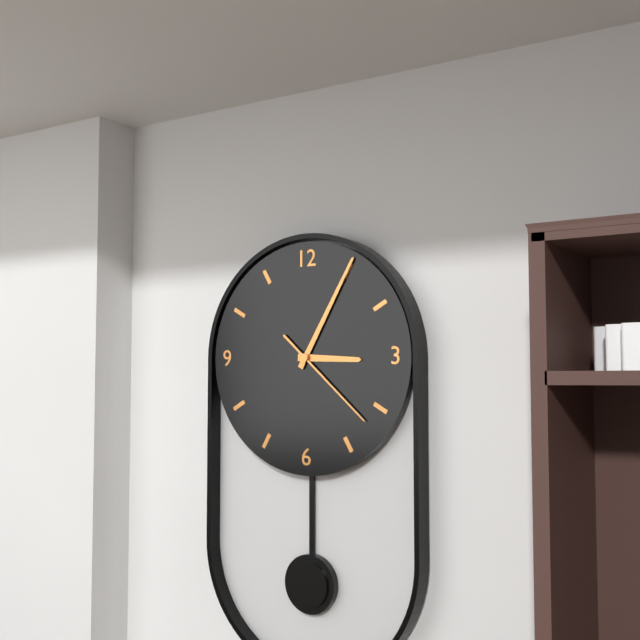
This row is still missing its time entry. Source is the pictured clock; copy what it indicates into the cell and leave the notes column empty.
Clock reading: 3:05:22
